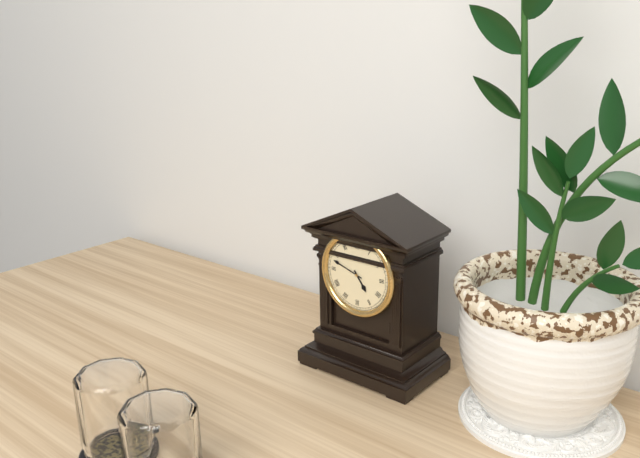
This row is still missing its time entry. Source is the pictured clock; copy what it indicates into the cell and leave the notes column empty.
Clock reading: 4:48
